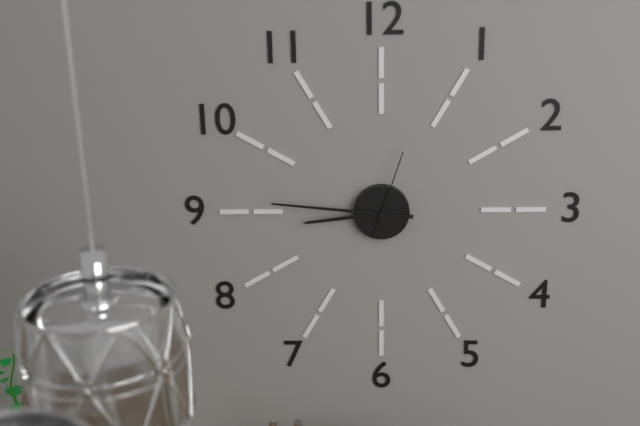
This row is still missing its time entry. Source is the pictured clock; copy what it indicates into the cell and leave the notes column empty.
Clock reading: 8:46:03
